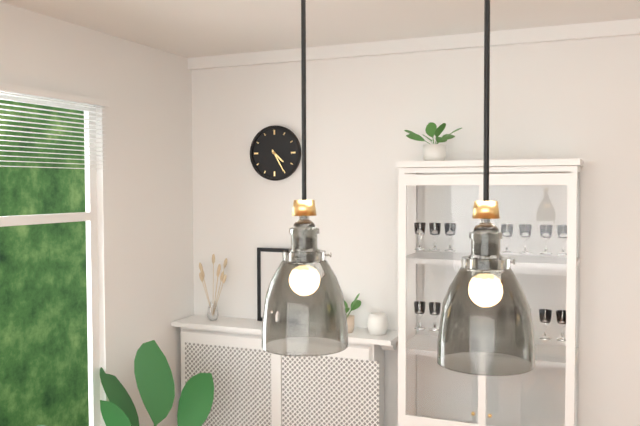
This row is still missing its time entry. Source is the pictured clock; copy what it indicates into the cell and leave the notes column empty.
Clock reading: 4:25
